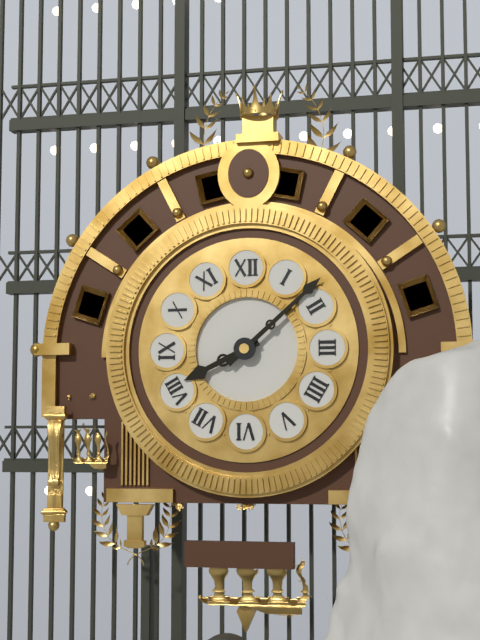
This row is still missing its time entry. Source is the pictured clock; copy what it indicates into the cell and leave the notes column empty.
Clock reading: 8:08
